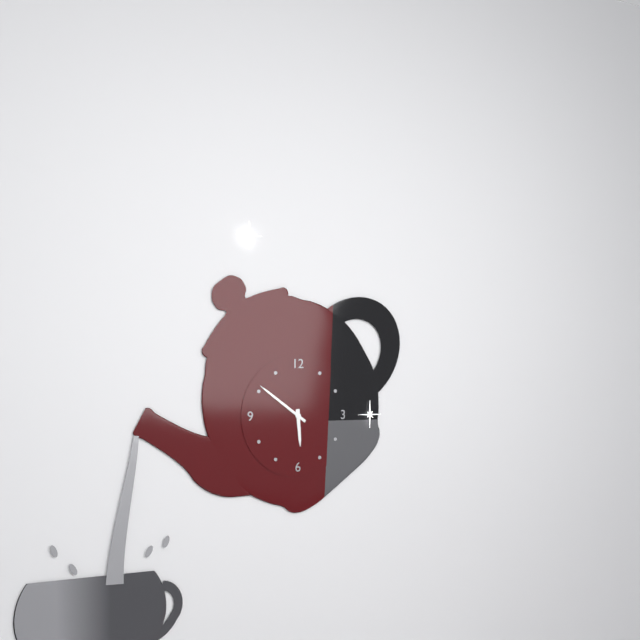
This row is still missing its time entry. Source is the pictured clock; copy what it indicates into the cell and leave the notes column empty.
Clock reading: 5:51
